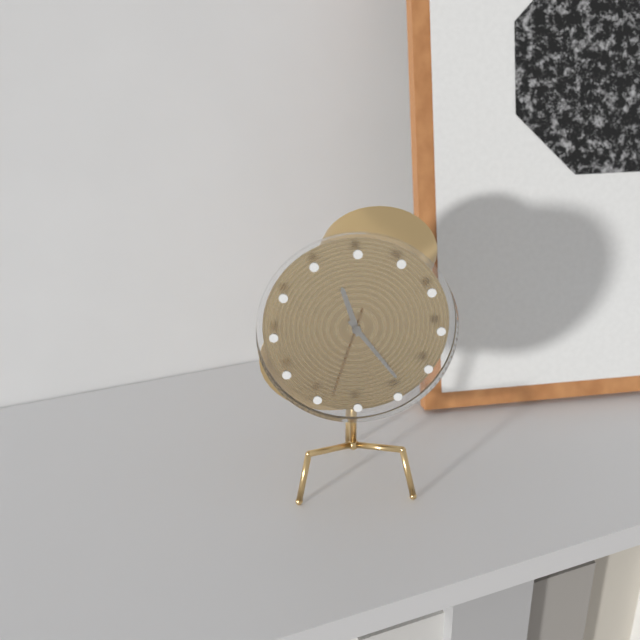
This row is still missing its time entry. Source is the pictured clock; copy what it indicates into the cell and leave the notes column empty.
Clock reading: 11:24:33
